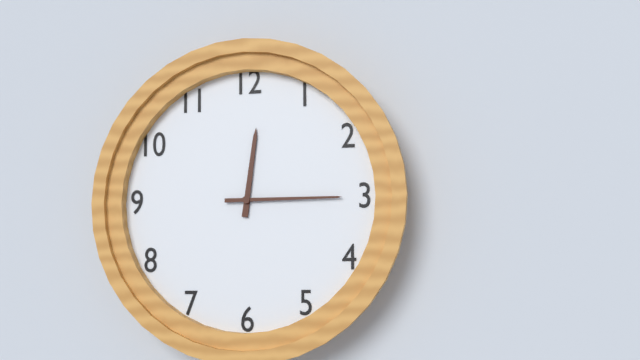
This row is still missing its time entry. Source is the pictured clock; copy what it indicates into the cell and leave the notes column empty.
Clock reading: 12:15
